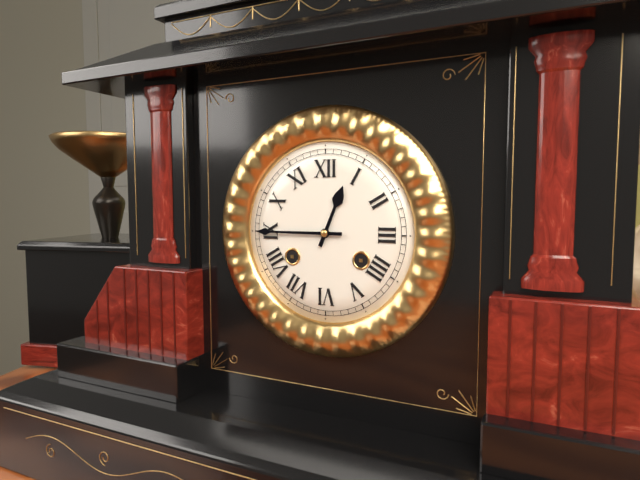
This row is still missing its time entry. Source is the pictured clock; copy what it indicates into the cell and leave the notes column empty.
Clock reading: 12:45
